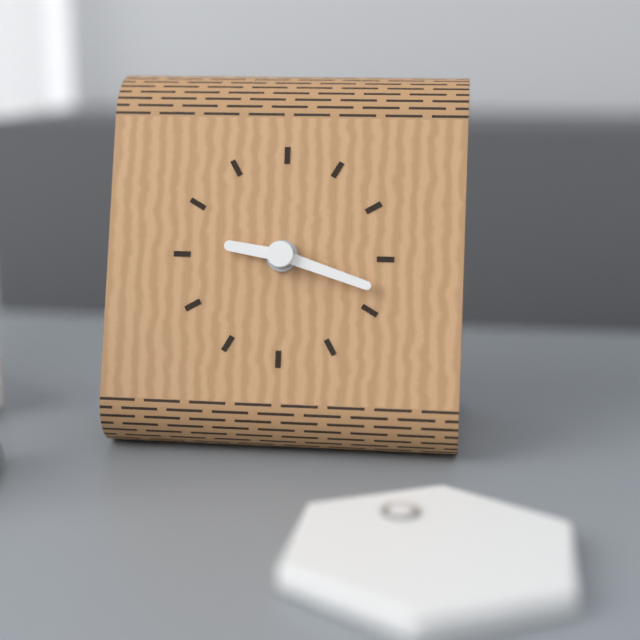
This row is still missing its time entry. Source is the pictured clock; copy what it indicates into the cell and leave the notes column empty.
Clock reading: 9:18
